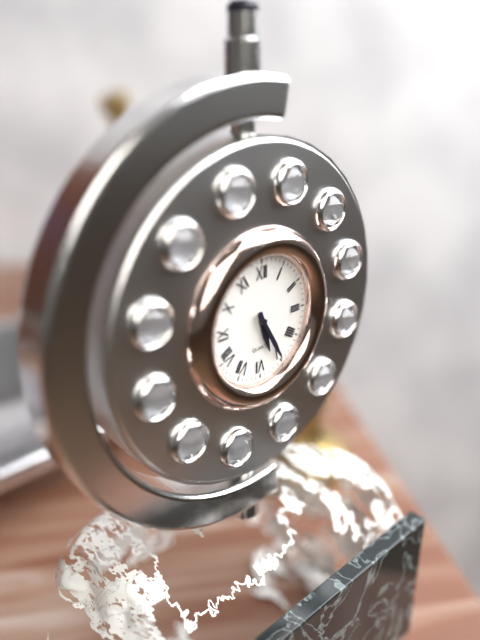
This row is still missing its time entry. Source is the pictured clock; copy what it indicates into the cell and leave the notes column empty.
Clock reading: 5:25
